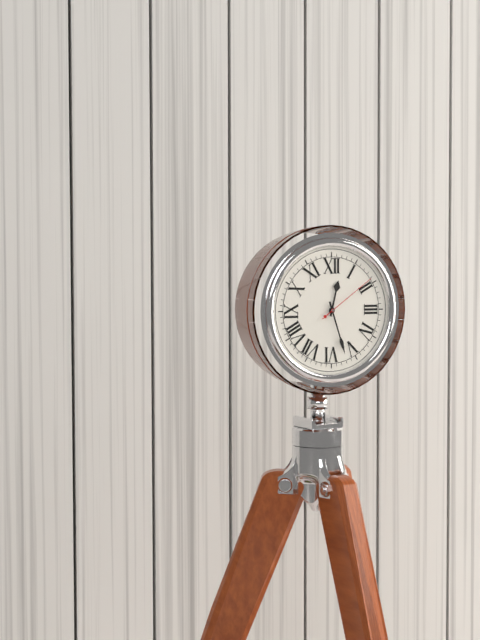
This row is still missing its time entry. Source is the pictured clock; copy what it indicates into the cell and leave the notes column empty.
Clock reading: 12:27:09
